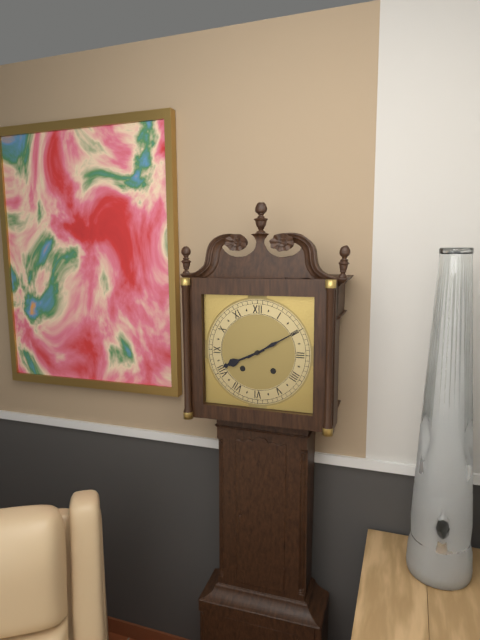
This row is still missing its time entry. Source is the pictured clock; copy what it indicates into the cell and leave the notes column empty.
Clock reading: 8:10
